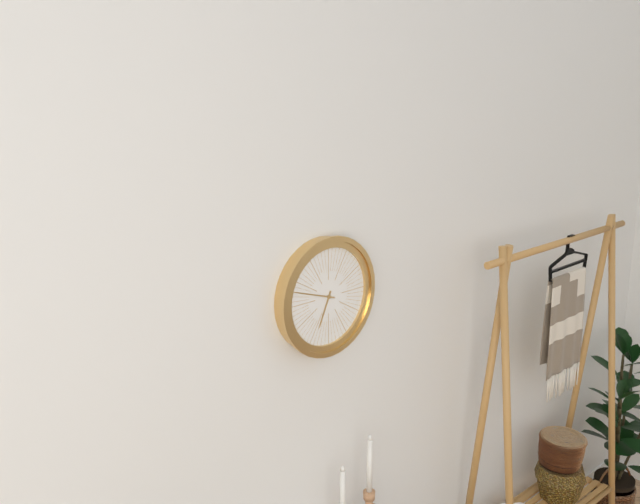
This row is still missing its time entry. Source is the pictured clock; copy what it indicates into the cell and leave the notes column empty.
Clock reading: 6:48
